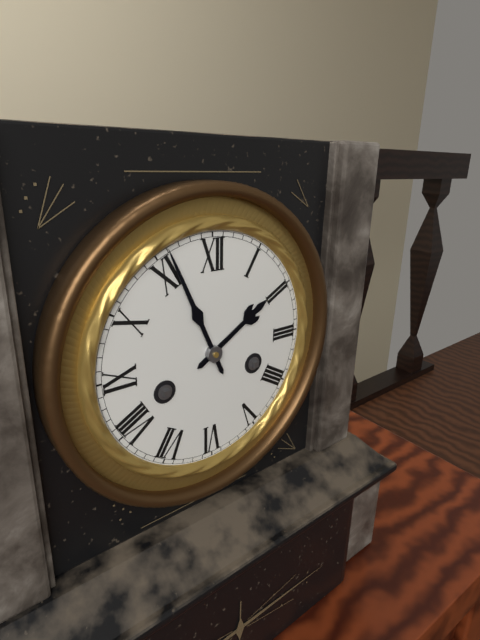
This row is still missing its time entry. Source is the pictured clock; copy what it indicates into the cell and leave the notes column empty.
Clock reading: 1:56
